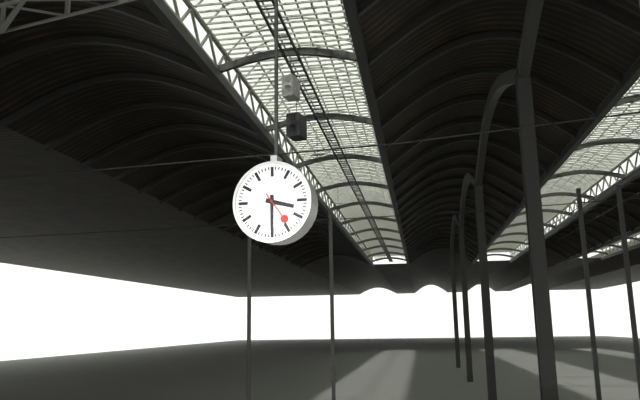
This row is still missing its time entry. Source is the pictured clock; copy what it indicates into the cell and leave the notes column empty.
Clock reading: 3:30
